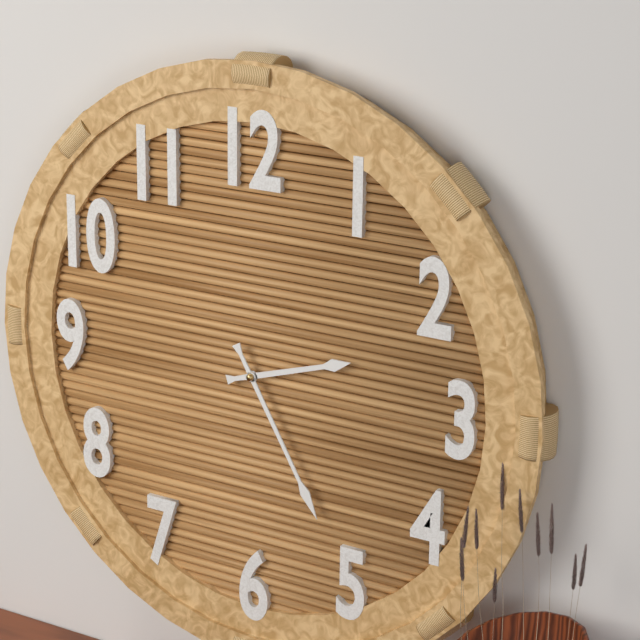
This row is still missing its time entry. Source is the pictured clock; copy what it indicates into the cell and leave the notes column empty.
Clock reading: 2:25
